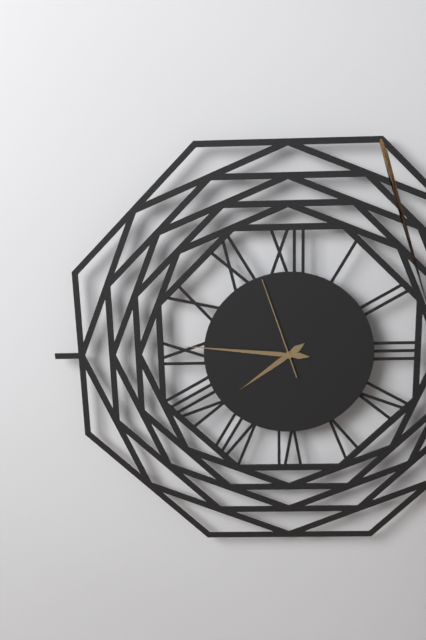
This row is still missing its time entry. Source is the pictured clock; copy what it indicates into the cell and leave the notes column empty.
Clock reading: 7:46:57
